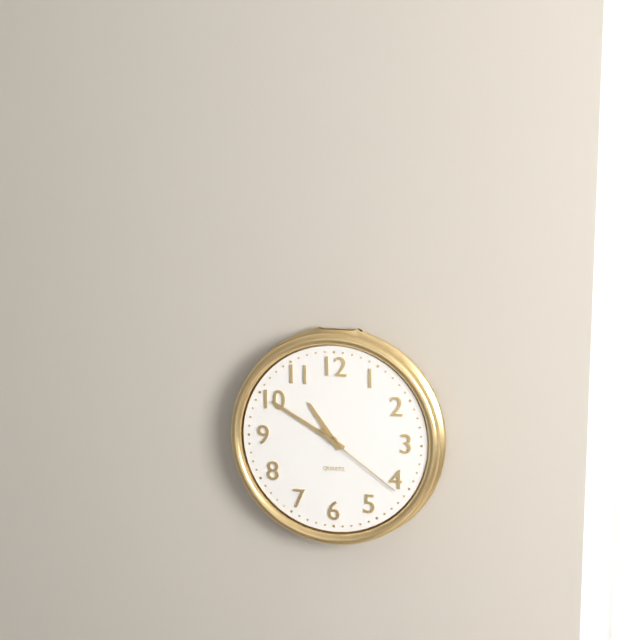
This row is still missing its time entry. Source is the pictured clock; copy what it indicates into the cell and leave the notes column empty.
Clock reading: 10:50:21
